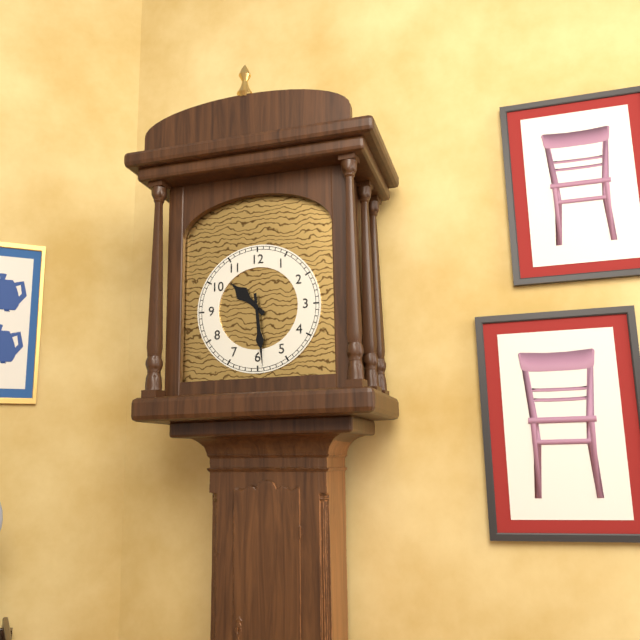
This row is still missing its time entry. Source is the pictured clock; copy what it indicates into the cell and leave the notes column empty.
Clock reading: 10:29
